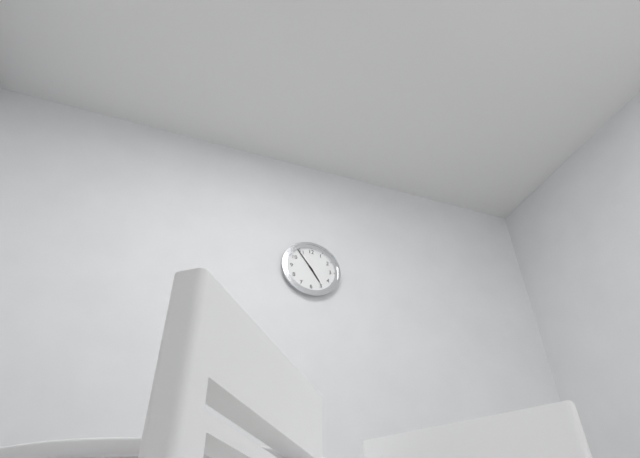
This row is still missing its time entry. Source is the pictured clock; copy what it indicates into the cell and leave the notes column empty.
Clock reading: 4:54
